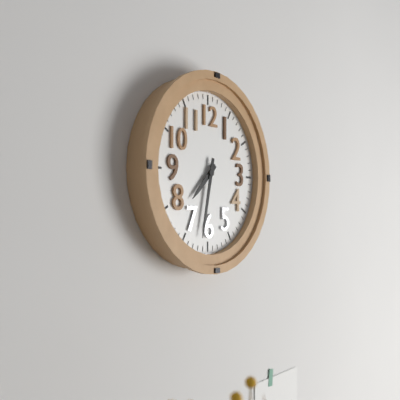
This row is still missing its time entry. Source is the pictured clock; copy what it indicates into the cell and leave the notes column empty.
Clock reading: 7:32
